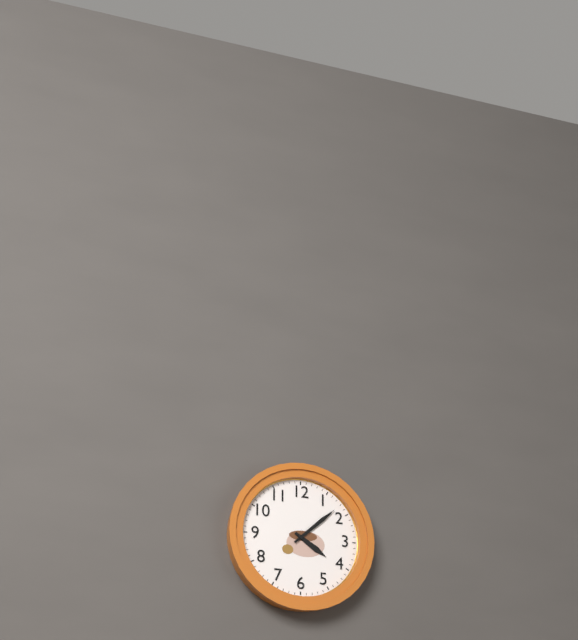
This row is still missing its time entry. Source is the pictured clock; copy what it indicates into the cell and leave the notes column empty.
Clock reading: 4:08
